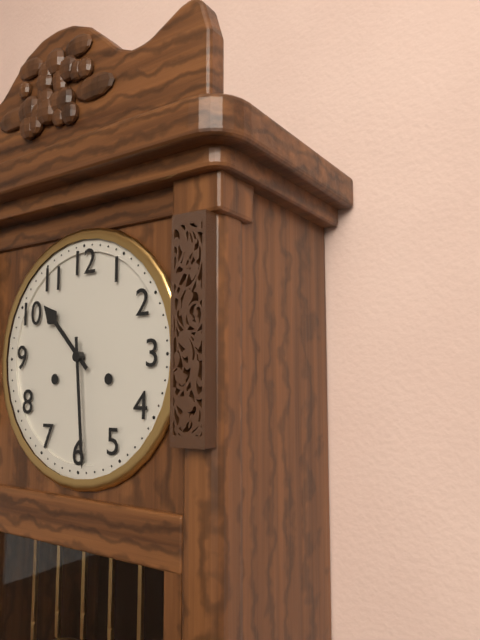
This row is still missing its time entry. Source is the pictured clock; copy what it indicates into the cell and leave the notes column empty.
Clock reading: 10:29
